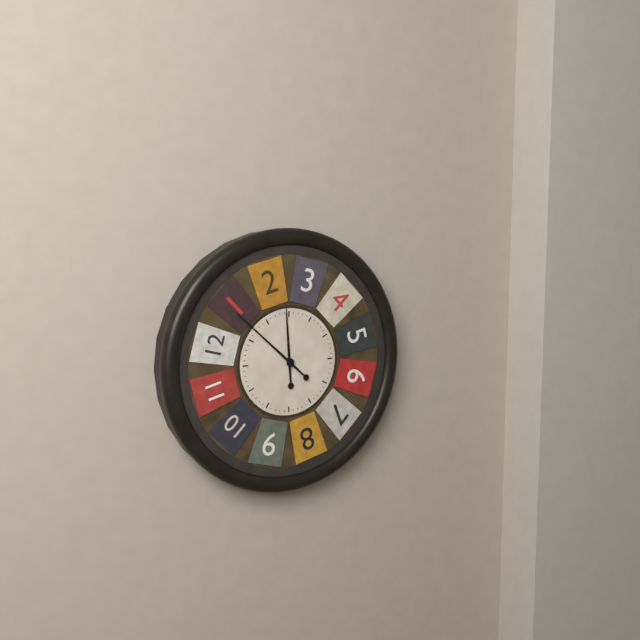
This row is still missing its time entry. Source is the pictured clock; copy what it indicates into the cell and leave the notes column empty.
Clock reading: 11:52
